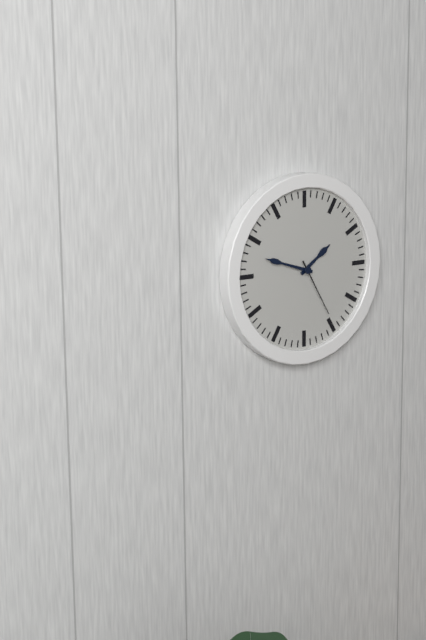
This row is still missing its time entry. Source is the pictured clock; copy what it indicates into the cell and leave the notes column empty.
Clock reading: 1:48:25
